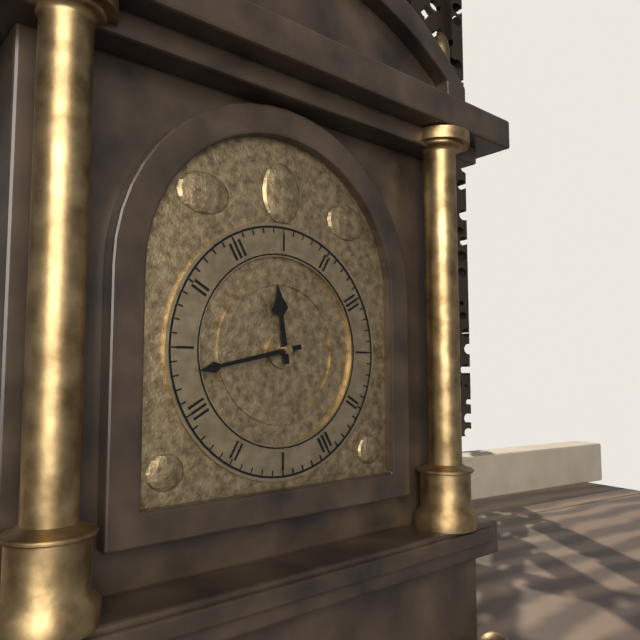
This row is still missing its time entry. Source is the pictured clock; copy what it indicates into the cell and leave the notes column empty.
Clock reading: 11:43
